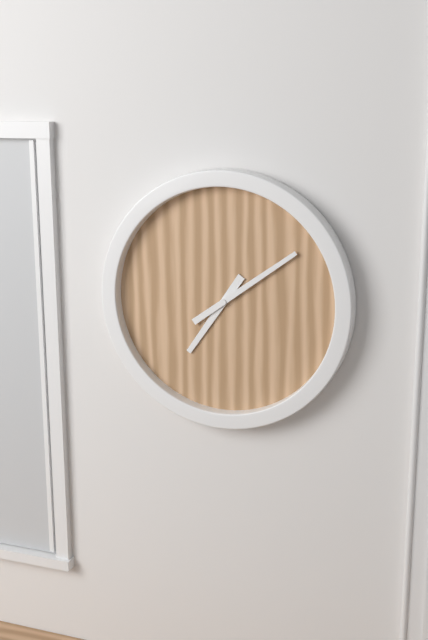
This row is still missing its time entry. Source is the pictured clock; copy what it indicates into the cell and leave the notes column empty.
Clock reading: 7:09
